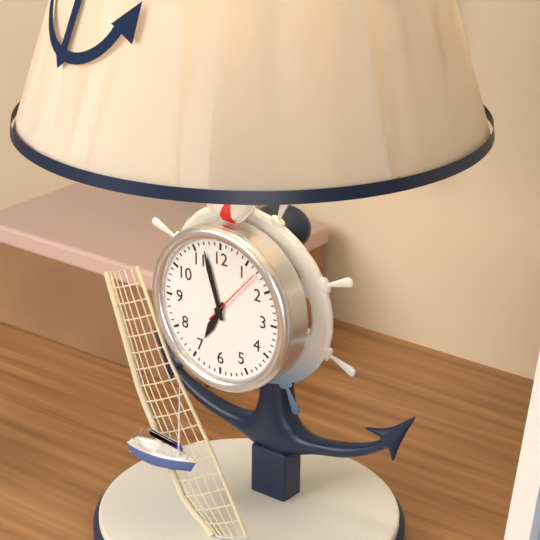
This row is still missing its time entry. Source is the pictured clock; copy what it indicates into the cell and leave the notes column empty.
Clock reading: 6:57:07
